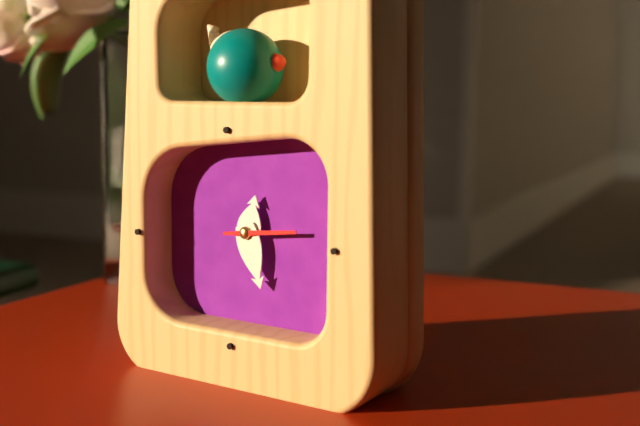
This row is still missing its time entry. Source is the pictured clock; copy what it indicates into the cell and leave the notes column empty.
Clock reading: 12:27:14
